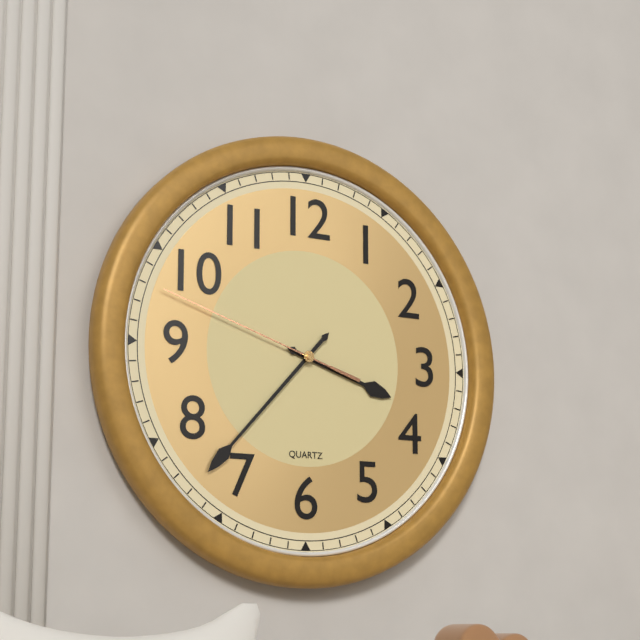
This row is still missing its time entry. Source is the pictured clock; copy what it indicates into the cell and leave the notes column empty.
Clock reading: 3:37:48
